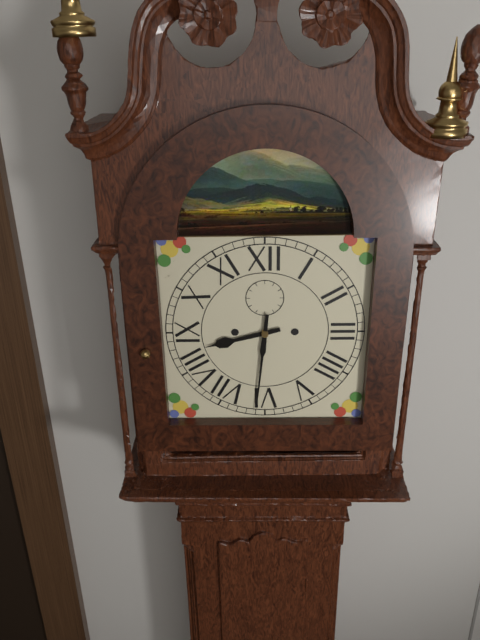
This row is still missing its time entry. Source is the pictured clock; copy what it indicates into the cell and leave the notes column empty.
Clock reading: 8:31
